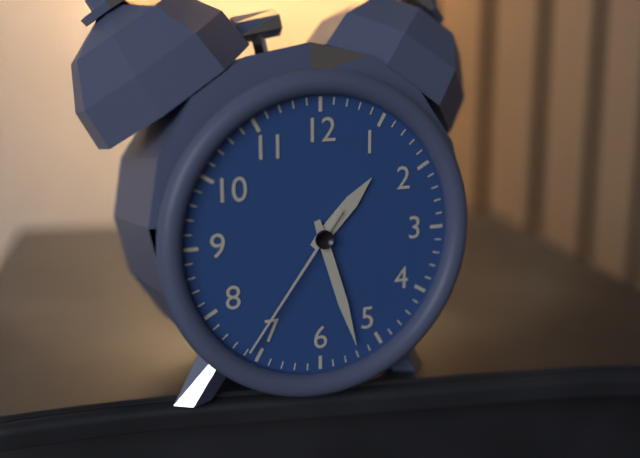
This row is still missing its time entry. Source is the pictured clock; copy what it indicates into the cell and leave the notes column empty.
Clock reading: 1:27:36
